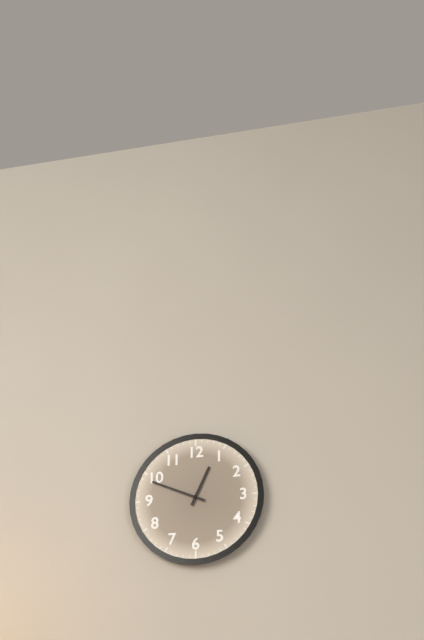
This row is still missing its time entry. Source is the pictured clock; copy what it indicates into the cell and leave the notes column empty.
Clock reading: 12:49
